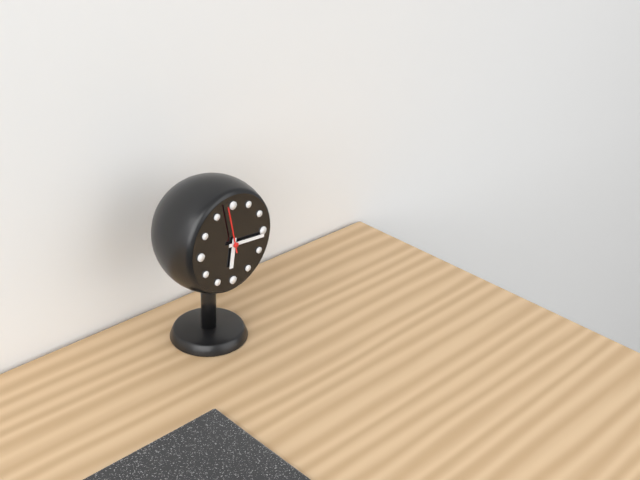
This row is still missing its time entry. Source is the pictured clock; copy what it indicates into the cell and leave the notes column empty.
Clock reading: 6:16
